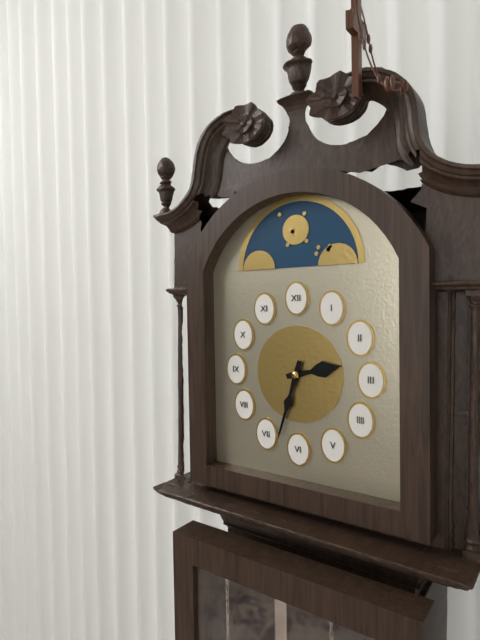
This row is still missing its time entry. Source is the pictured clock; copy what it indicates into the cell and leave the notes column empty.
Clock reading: 2:33
